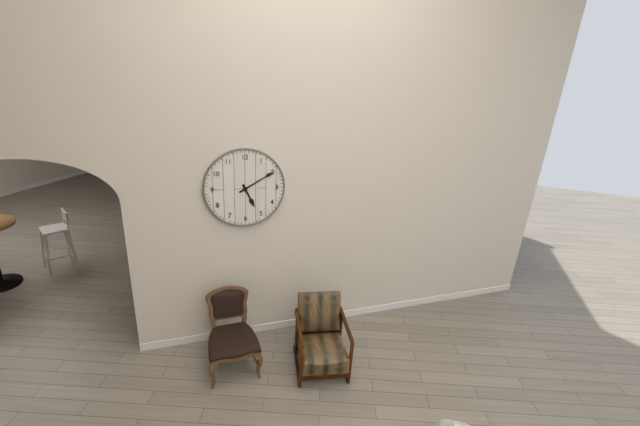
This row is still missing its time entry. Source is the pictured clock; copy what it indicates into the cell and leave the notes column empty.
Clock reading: 5:10
